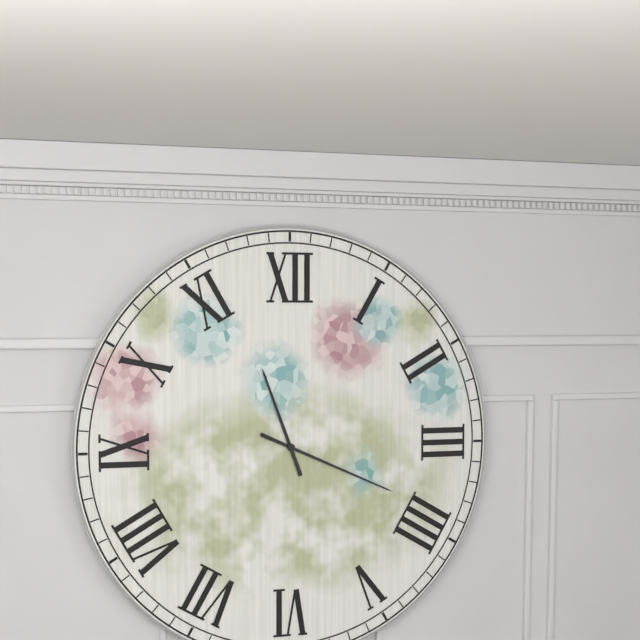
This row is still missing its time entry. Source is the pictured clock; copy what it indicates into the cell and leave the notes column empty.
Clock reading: 11:19
